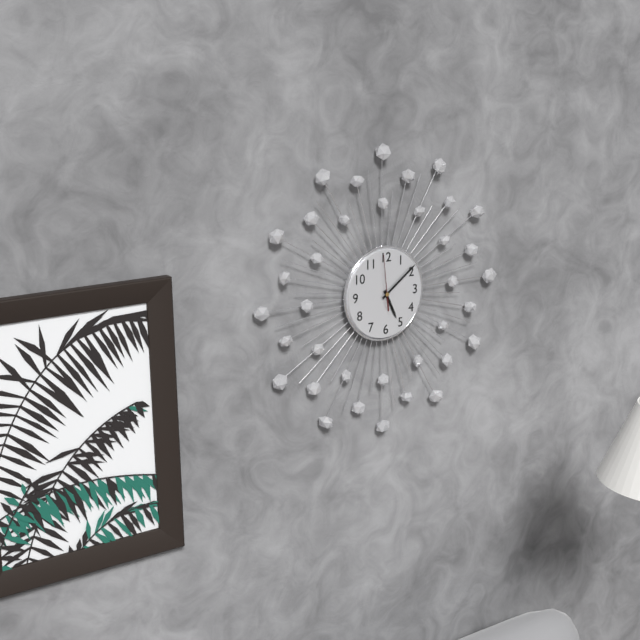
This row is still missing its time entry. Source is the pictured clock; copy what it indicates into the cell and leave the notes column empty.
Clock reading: 5:09
